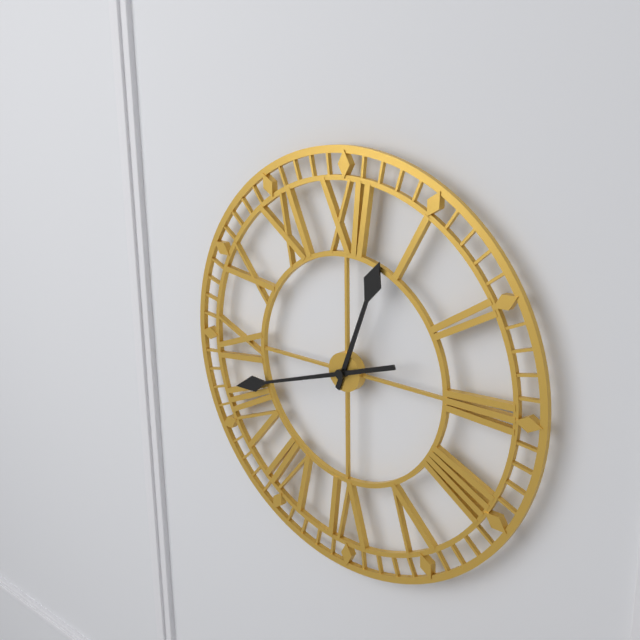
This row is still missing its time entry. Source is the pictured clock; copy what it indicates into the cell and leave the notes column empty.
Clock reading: 12:42
